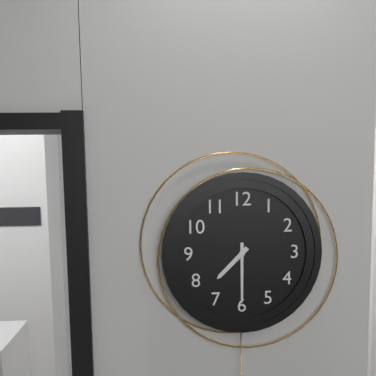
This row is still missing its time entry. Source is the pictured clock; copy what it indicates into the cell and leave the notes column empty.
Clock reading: 7:30
